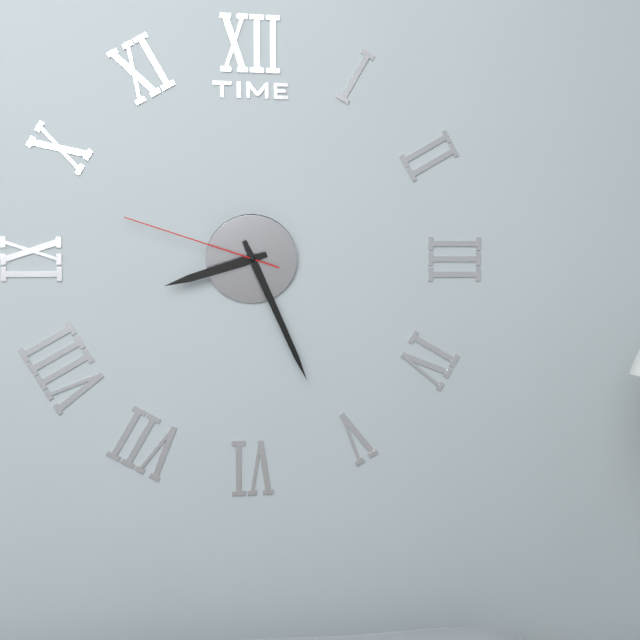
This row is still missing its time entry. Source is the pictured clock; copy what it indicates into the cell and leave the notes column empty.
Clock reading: 8:26:48
